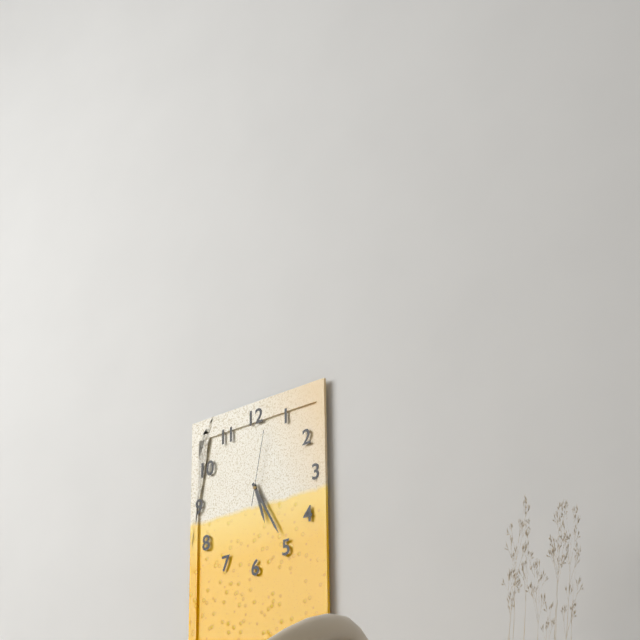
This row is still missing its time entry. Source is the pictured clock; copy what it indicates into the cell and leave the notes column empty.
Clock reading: 5:25:02
